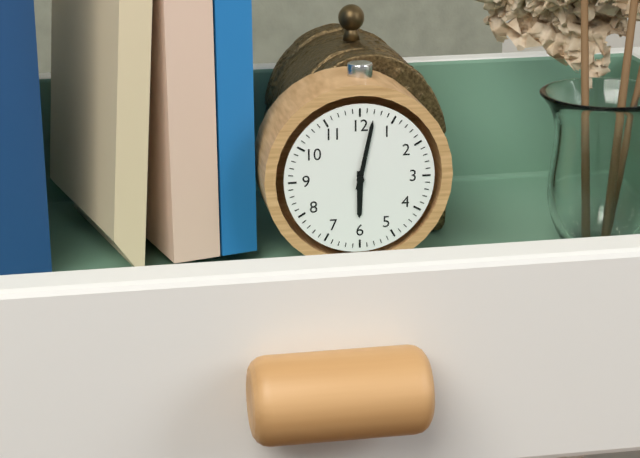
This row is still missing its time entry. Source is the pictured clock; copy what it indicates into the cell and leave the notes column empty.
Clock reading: 6:02
